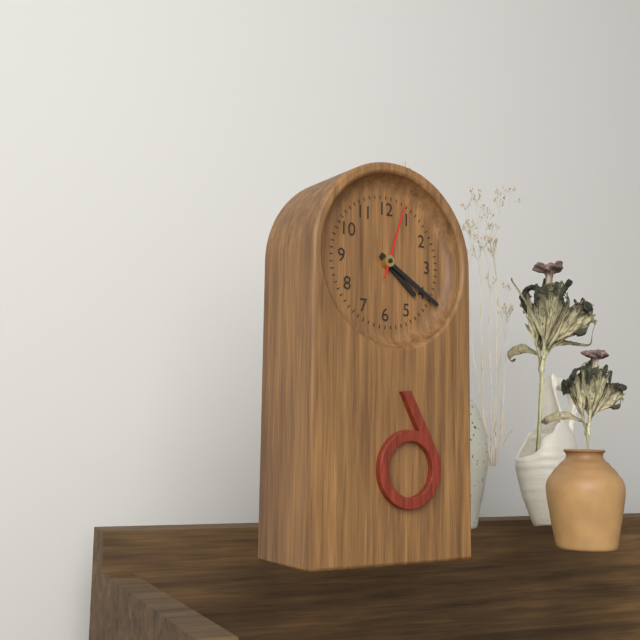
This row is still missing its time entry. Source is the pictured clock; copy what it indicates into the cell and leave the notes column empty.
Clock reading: 4:20:03
